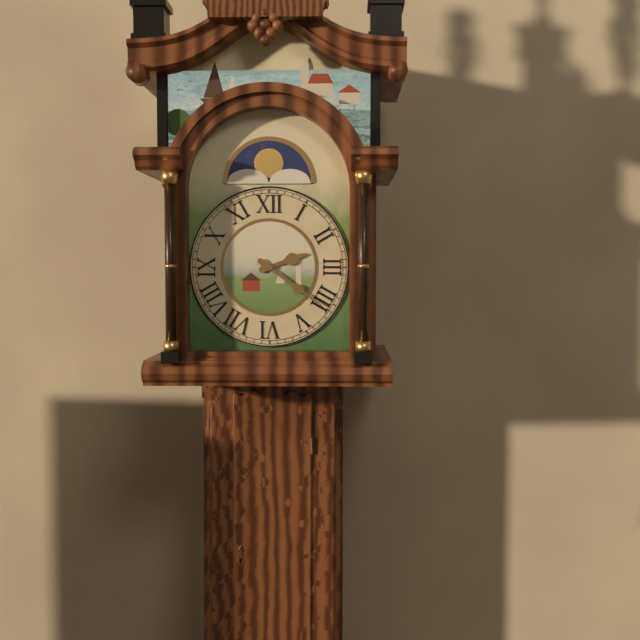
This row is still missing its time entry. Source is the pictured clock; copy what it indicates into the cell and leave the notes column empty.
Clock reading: 2:21
